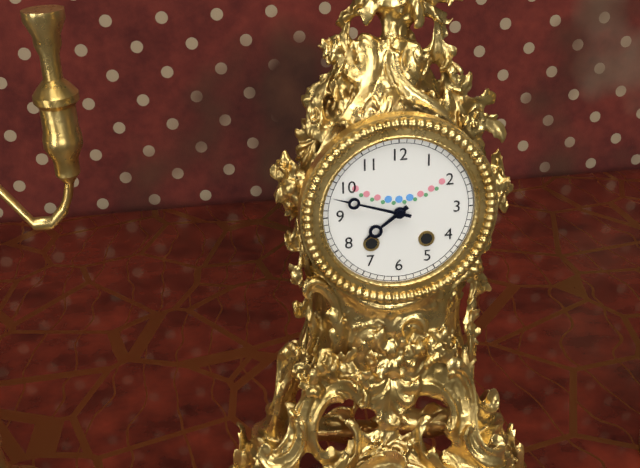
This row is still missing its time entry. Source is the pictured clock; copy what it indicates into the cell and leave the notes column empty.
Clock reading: 7:48
